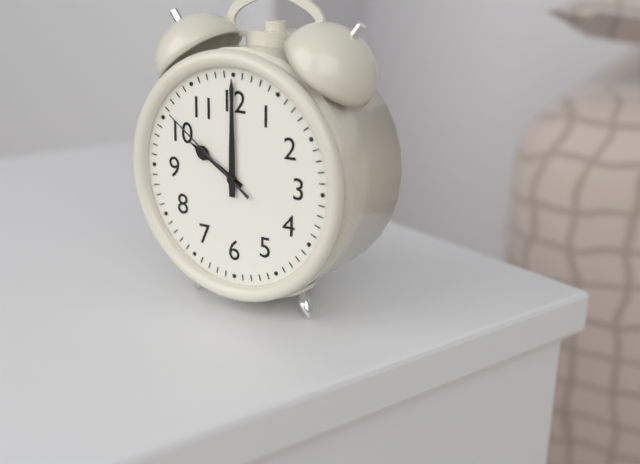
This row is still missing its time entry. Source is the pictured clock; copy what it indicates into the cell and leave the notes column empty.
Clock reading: 10:00:51
